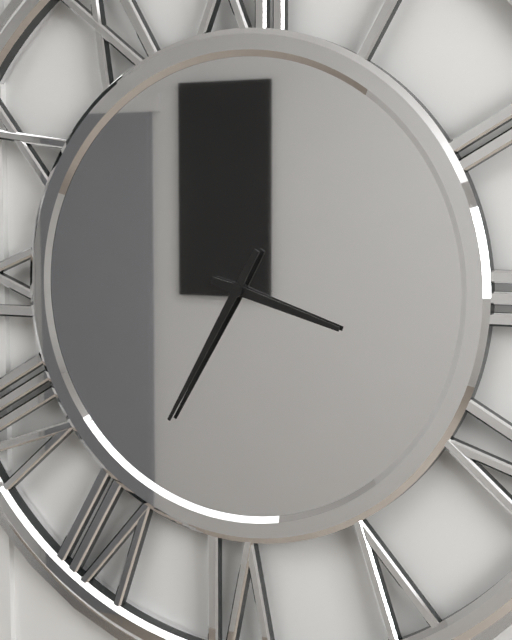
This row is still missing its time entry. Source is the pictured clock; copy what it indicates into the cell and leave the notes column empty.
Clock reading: 3:35
